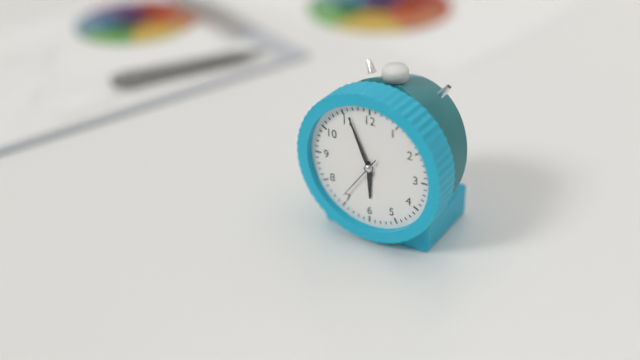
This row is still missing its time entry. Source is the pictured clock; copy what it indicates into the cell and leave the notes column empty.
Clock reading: 5:56
